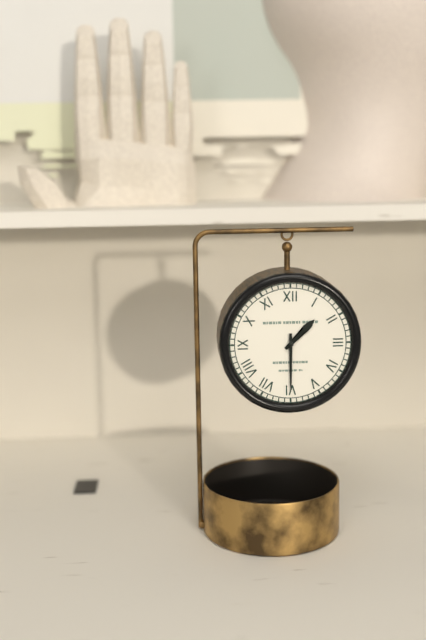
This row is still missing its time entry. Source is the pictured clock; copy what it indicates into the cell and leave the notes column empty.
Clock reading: 1:30
